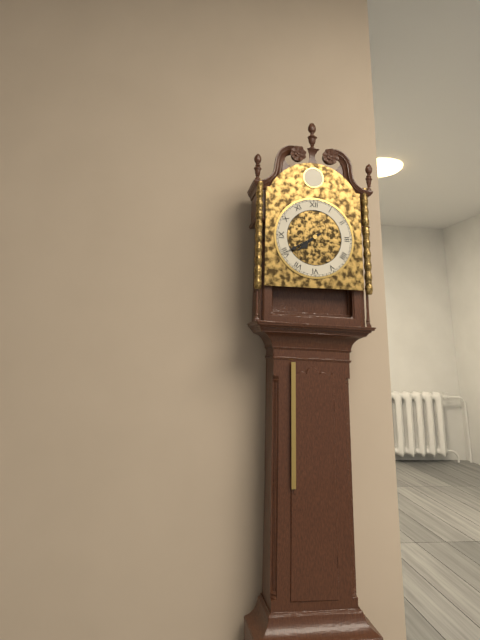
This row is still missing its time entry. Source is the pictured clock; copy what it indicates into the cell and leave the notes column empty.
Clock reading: 7:40
